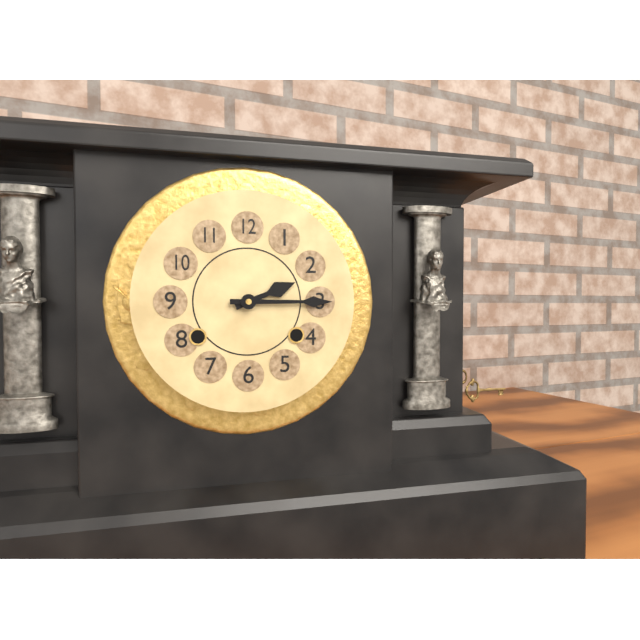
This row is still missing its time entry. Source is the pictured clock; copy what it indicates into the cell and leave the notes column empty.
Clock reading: 2:15
